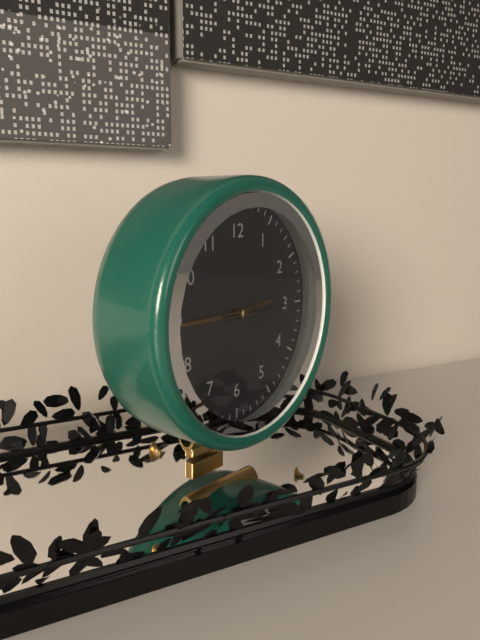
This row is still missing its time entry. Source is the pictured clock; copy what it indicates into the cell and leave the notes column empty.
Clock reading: 2:45:15
